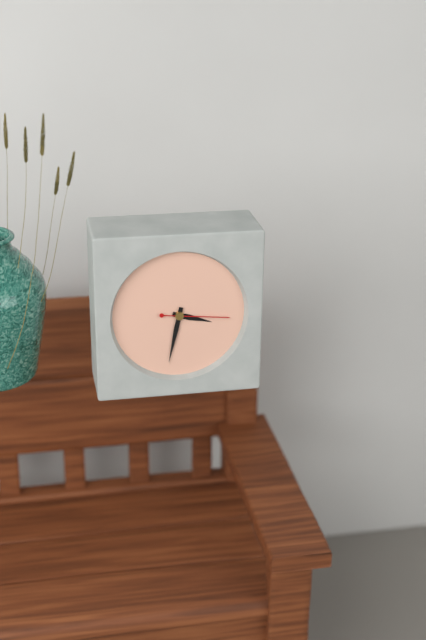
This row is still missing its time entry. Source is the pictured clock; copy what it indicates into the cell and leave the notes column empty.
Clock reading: 3:32:16
